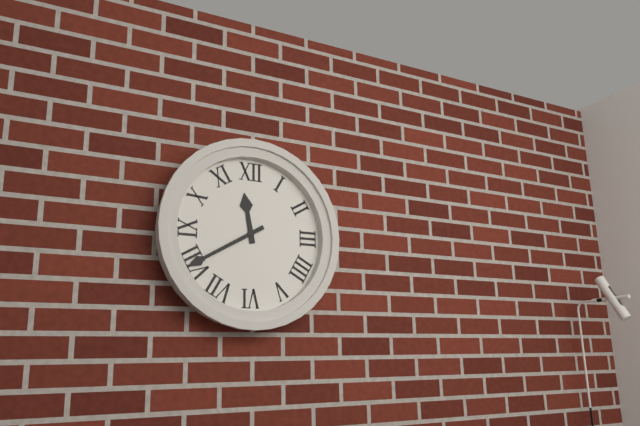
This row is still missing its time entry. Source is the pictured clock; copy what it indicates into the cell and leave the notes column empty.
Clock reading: 11:40
